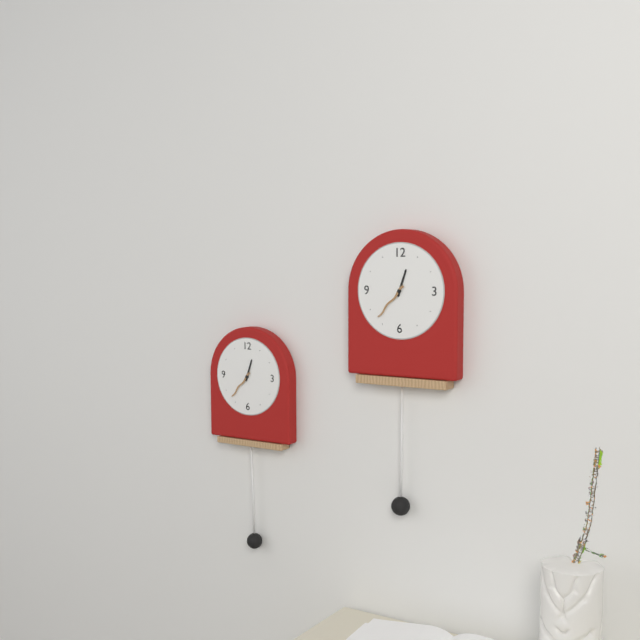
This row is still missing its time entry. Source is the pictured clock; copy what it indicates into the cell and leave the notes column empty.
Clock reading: 12:37
